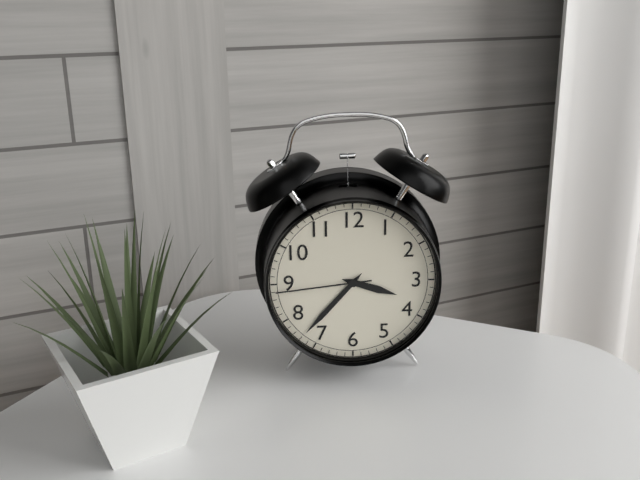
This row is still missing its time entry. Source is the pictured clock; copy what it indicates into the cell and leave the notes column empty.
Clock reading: 3:37:44
